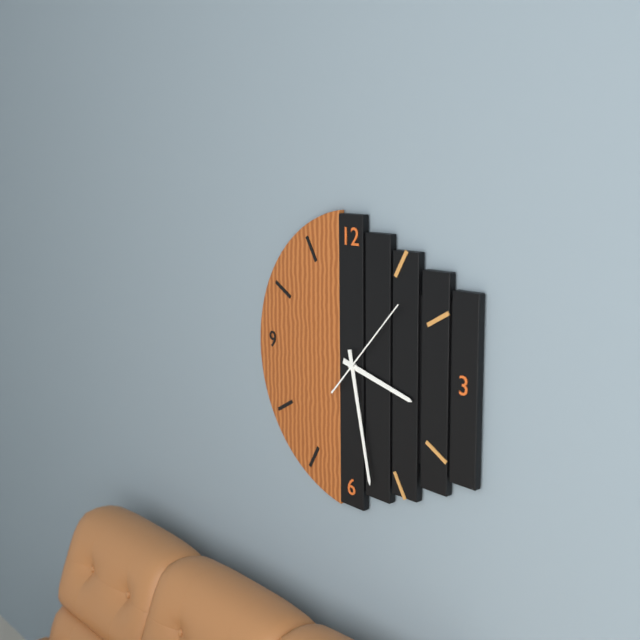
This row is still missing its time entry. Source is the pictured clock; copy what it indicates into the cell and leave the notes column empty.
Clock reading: 3:28:07
